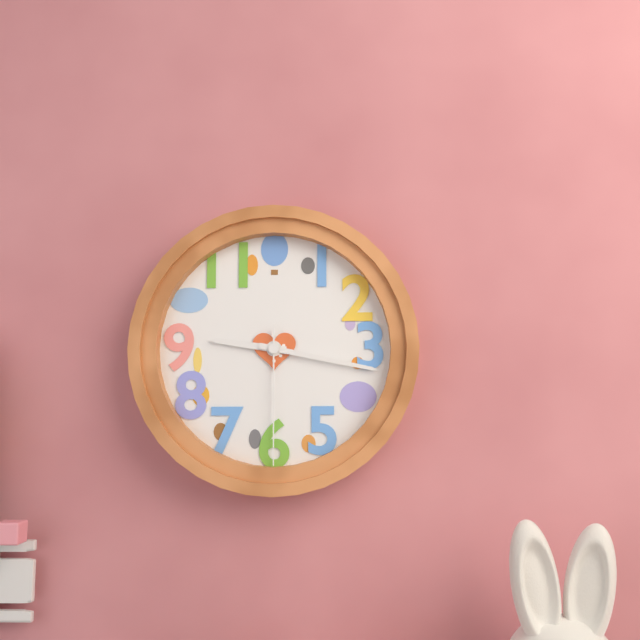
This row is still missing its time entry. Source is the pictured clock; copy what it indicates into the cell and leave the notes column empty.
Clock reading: 9:17:30
